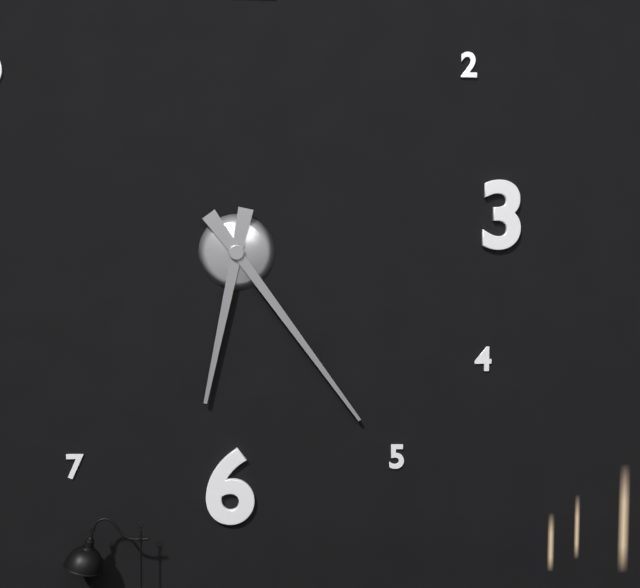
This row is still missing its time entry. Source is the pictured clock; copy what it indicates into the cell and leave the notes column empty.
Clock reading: 6:24
